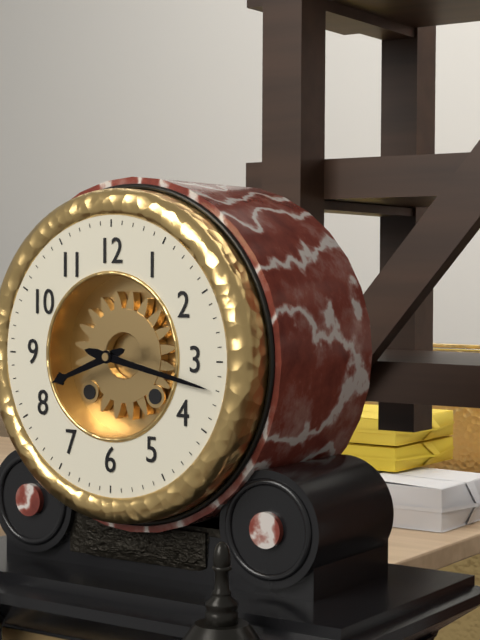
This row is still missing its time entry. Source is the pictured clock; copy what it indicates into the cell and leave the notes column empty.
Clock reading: 8:17
